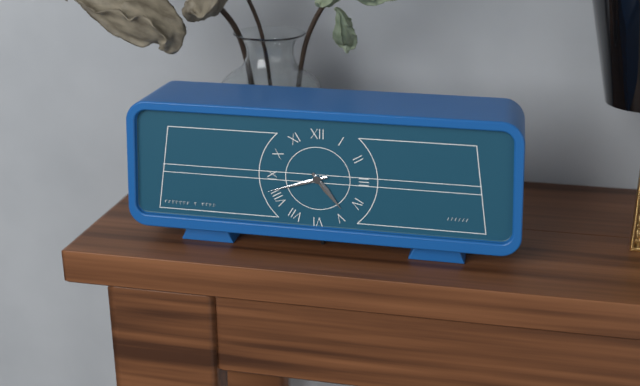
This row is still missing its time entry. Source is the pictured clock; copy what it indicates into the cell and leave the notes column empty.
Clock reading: 4:42
